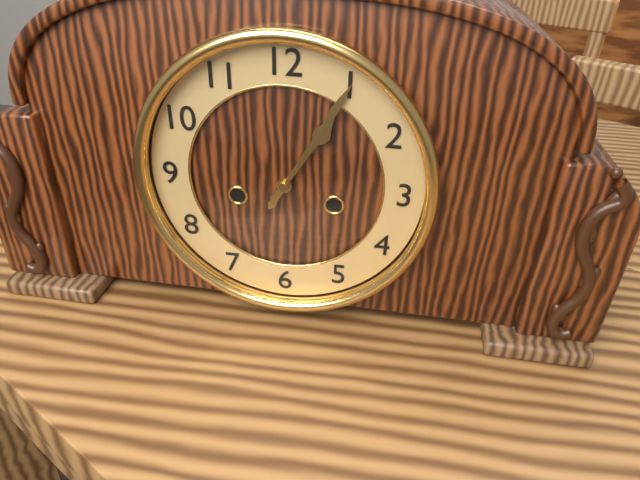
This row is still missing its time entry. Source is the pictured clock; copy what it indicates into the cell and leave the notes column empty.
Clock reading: 1:05
